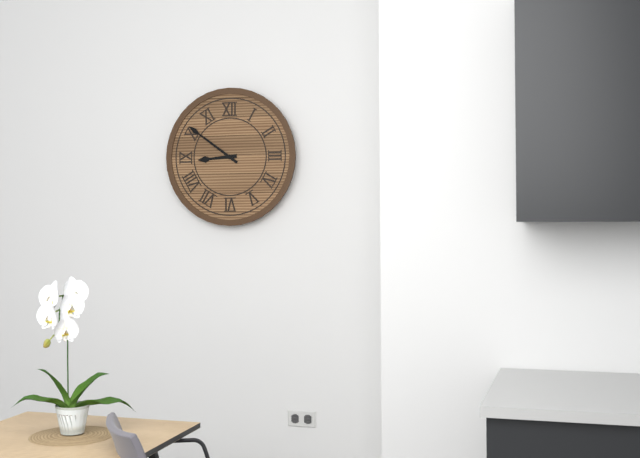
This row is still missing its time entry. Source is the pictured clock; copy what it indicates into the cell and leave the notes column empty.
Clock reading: 8:51
